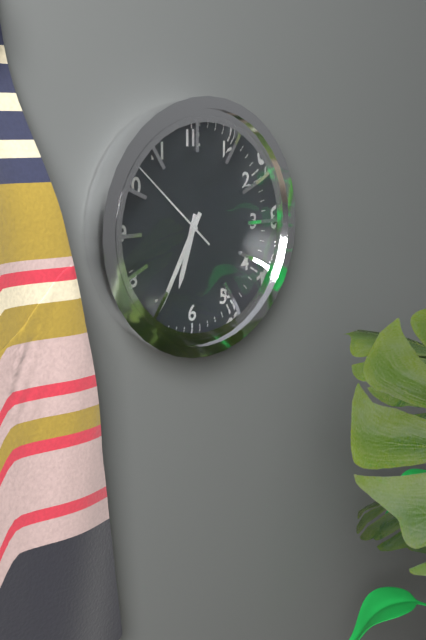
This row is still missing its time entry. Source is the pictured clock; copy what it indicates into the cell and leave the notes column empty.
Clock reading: 6:35:52
